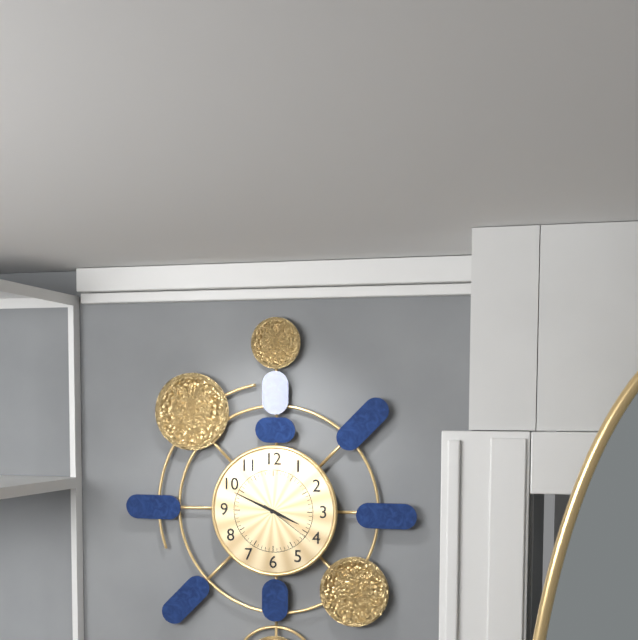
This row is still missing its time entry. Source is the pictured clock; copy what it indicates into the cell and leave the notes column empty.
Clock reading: 3:49:21
